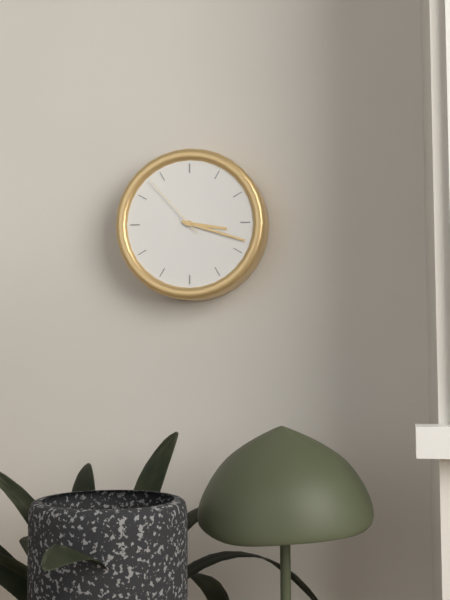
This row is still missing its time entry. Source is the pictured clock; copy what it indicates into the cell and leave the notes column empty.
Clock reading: 3:18:53
